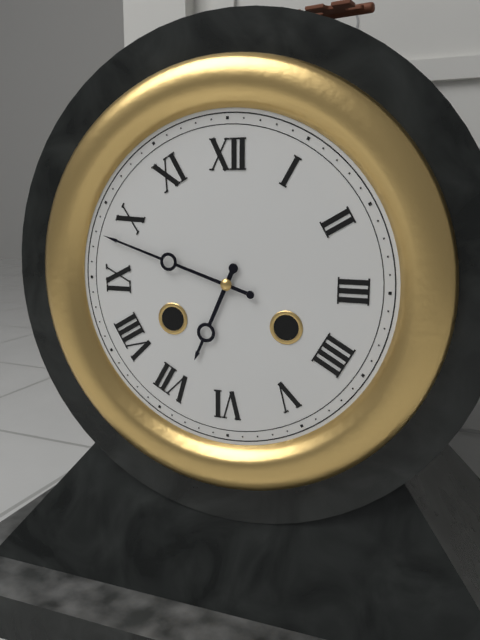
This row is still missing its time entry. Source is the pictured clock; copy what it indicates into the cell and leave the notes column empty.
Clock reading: 6:48
